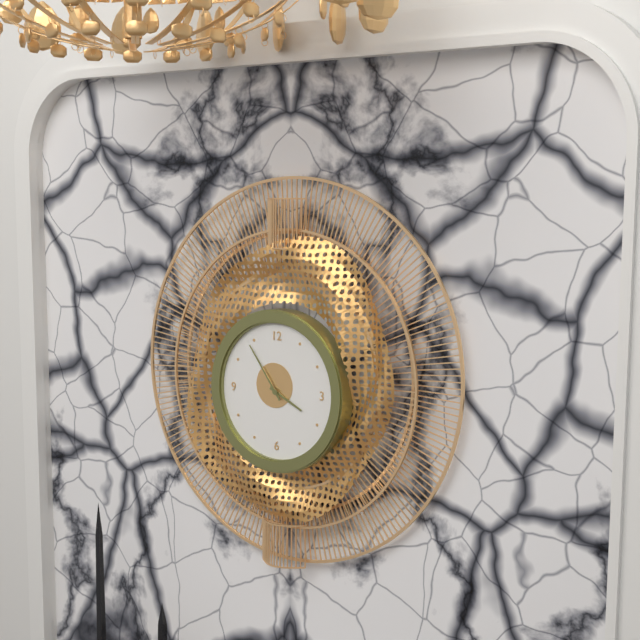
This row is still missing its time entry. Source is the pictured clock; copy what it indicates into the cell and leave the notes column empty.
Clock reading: 3:54
